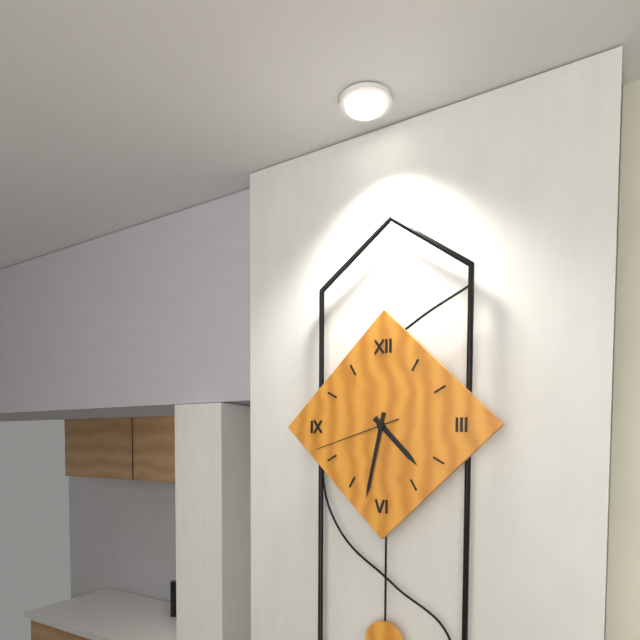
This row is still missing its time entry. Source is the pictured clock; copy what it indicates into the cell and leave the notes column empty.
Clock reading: 4:32:42
